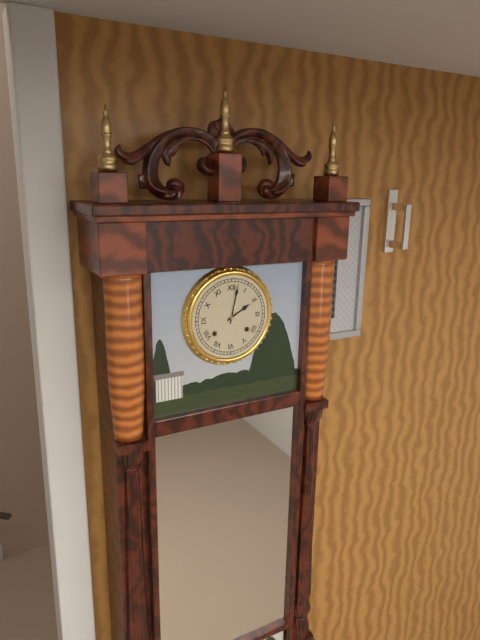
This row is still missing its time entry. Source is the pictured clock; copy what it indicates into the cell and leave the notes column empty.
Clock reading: 2:02
